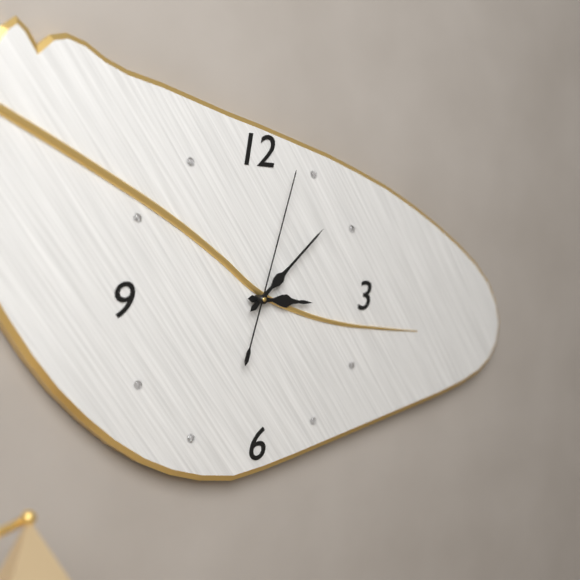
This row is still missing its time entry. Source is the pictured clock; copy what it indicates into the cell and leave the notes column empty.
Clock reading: 3:08:03
